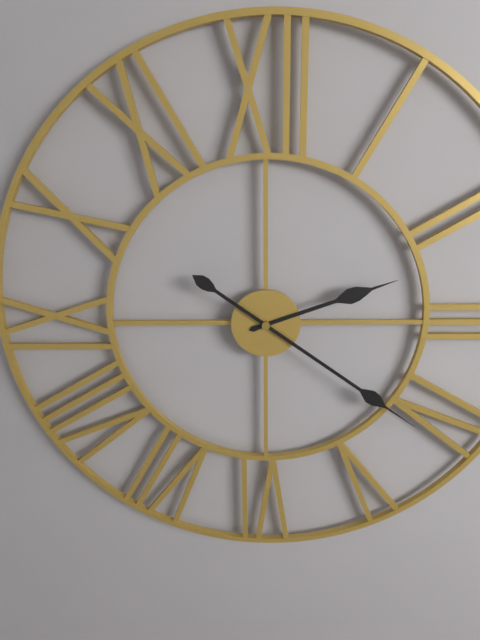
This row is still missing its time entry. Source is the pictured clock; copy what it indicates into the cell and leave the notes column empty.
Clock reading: 2:21
